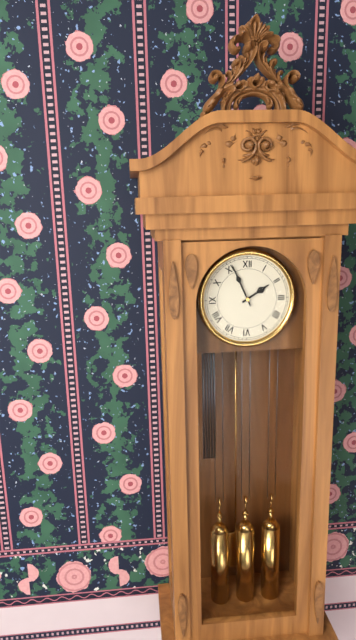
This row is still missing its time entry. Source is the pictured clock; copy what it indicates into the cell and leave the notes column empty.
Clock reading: 1:56
